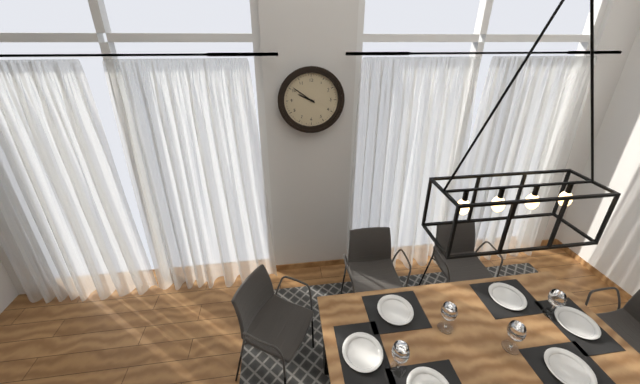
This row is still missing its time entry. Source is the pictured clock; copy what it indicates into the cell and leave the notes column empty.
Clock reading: 9:51
